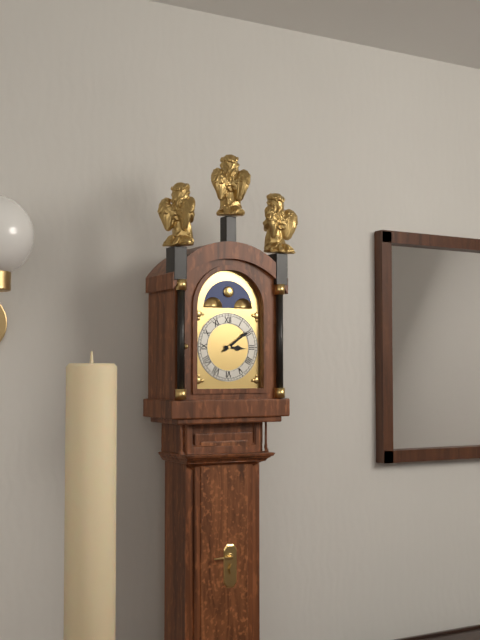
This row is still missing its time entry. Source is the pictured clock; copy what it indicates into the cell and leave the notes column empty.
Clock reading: 3:09
